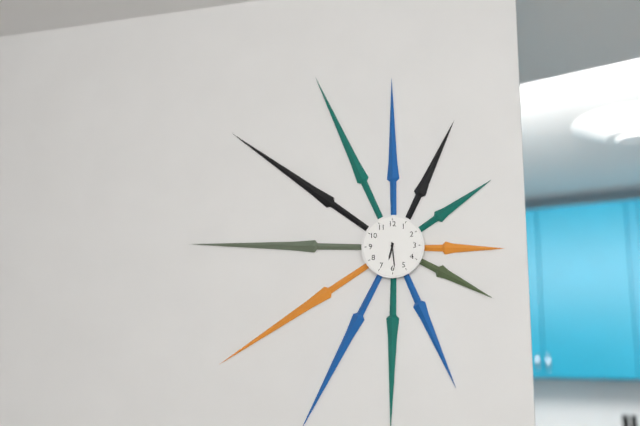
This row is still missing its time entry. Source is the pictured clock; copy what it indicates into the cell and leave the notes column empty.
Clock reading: 6:29
